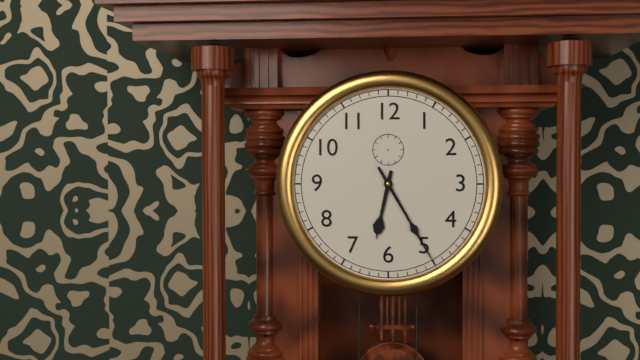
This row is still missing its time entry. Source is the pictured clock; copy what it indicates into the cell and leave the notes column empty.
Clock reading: 6:25
